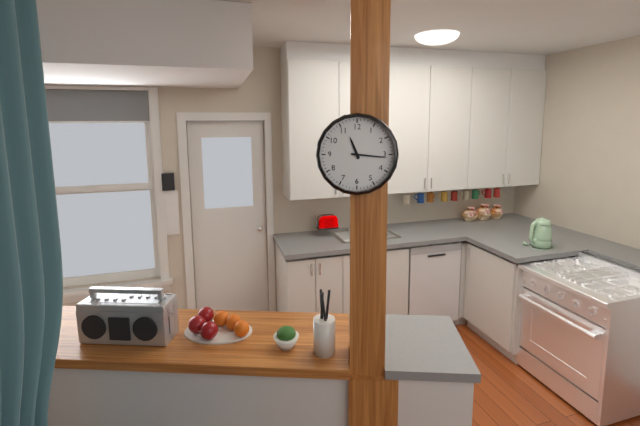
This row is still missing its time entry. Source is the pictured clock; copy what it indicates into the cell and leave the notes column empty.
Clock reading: 11:16
